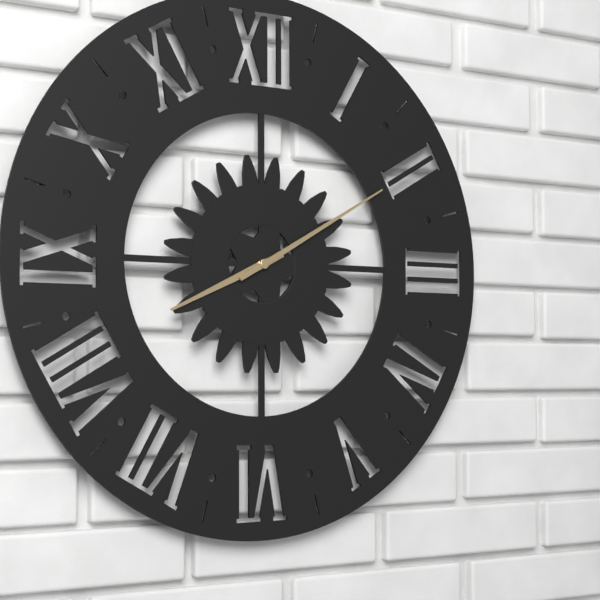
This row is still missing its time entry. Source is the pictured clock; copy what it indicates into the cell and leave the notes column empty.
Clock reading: 8:10
